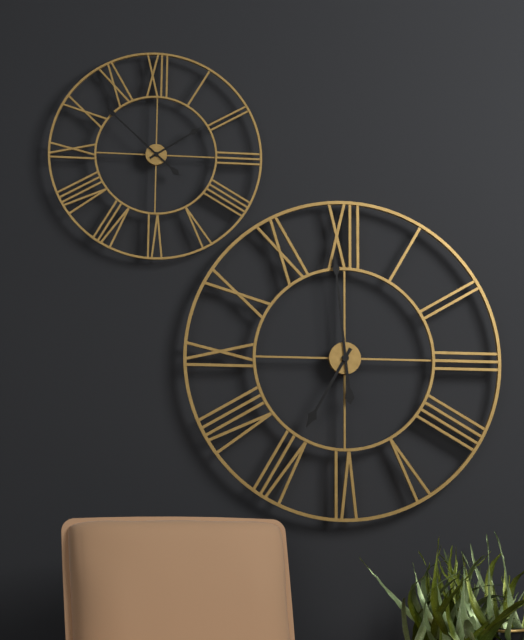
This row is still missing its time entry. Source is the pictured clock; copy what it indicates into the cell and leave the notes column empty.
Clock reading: 6:59
